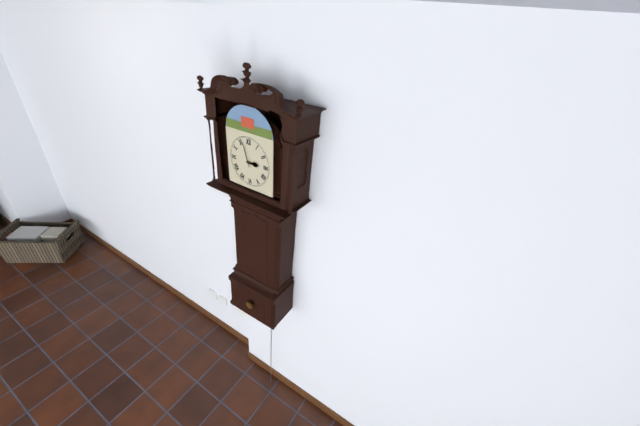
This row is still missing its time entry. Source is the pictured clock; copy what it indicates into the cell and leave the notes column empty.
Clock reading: 2:57
